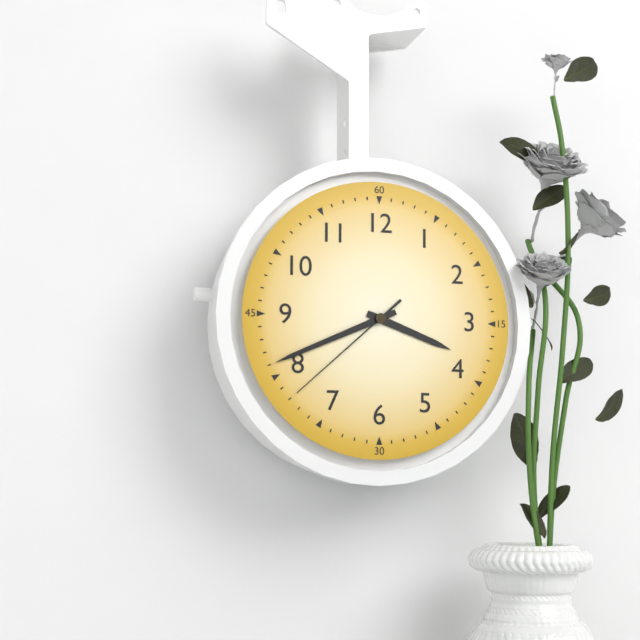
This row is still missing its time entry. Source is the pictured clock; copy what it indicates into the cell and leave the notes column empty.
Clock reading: 3:41:38
